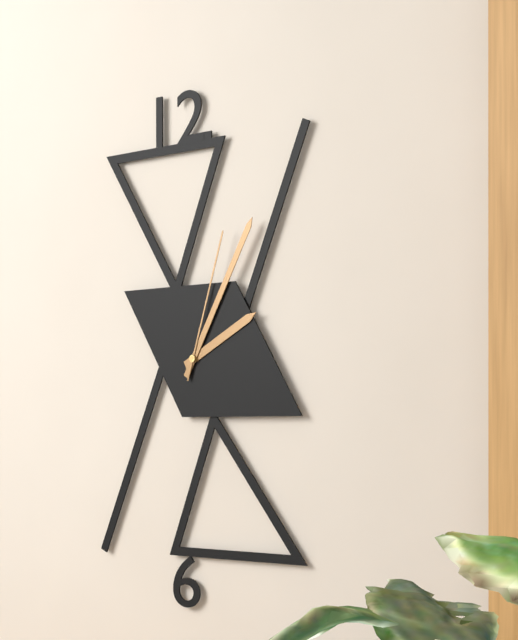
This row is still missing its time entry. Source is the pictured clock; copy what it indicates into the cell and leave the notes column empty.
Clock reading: 2:05:03
